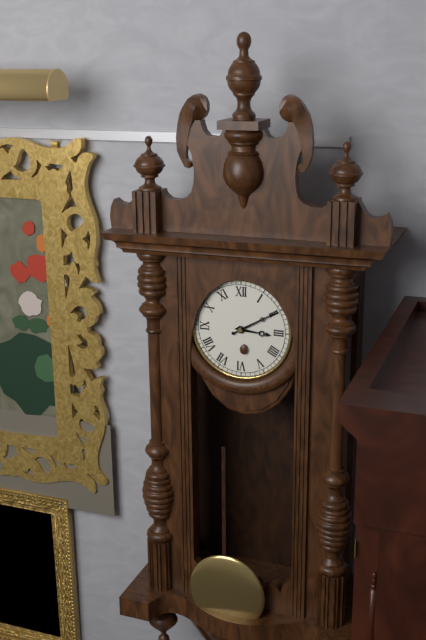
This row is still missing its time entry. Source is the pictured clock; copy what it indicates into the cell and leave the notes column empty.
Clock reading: 3:10
